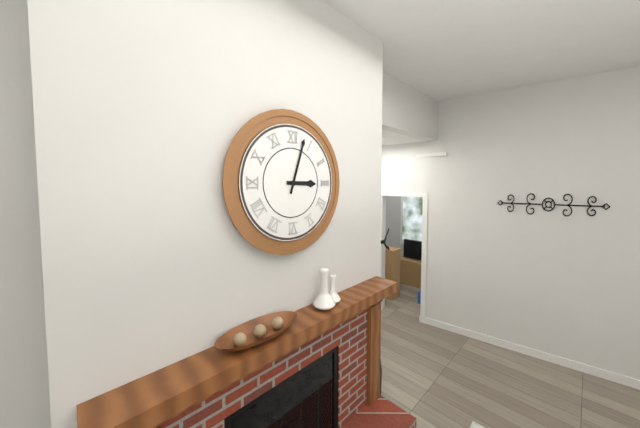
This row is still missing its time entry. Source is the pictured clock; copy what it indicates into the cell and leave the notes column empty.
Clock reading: 3:03
